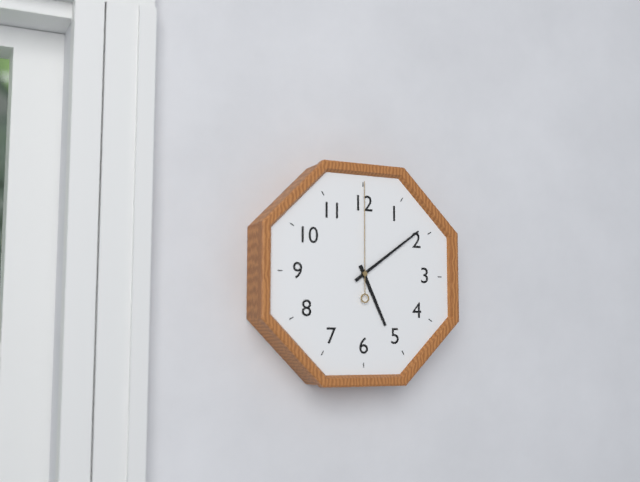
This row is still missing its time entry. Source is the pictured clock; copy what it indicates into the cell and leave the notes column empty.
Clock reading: 5:09:00
